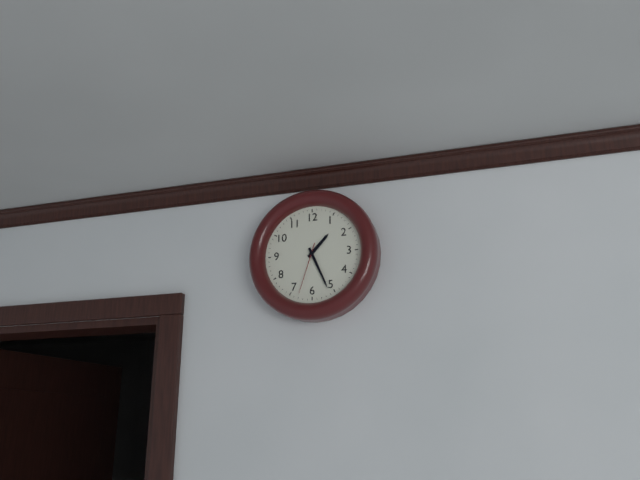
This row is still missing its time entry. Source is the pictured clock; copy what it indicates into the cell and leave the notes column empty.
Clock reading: 1:26:33
